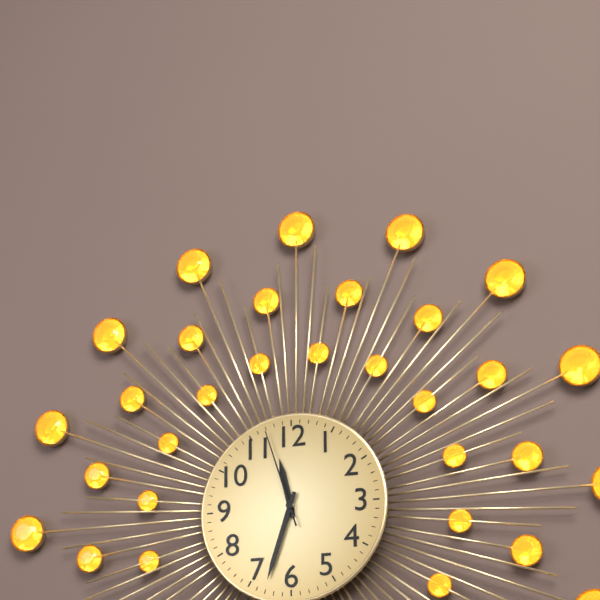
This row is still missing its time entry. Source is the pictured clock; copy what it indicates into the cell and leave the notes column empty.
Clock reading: 11:33:57
